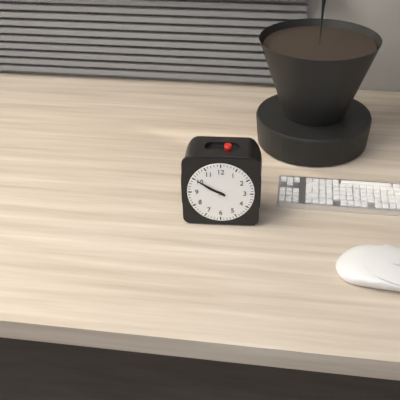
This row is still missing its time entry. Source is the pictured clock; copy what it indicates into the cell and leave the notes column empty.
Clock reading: 9:50
